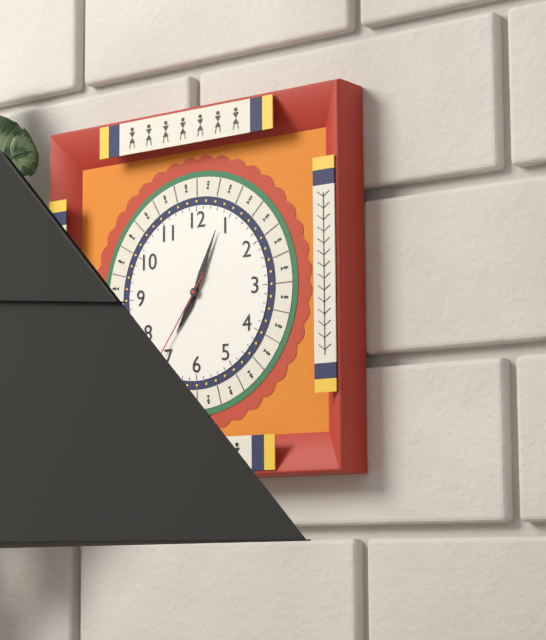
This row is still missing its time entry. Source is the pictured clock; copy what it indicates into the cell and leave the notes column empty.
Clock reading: 7:04:36
